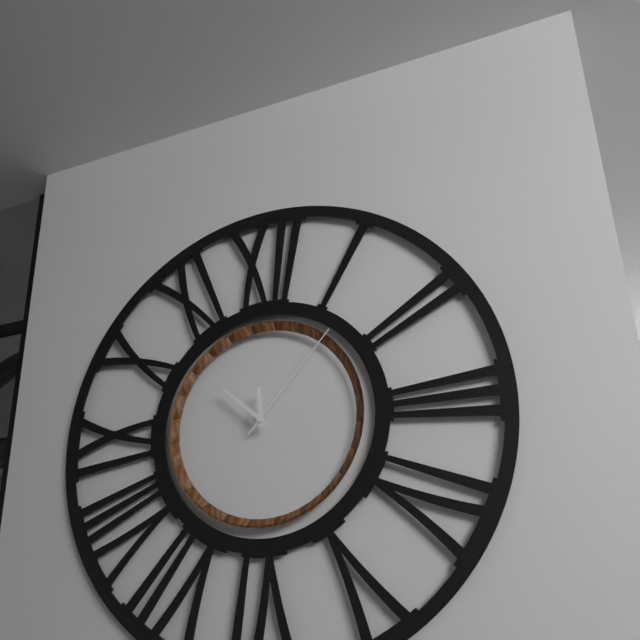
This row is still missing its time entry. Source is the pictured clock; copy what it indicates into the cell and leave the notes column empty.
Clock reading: 11:52:07
